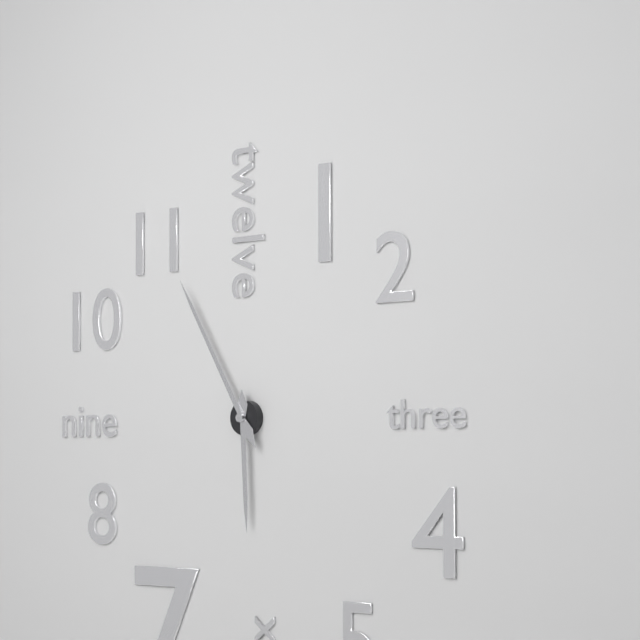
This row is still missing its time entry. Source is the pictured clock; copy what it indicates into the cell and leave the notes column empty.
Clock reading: 5:55
